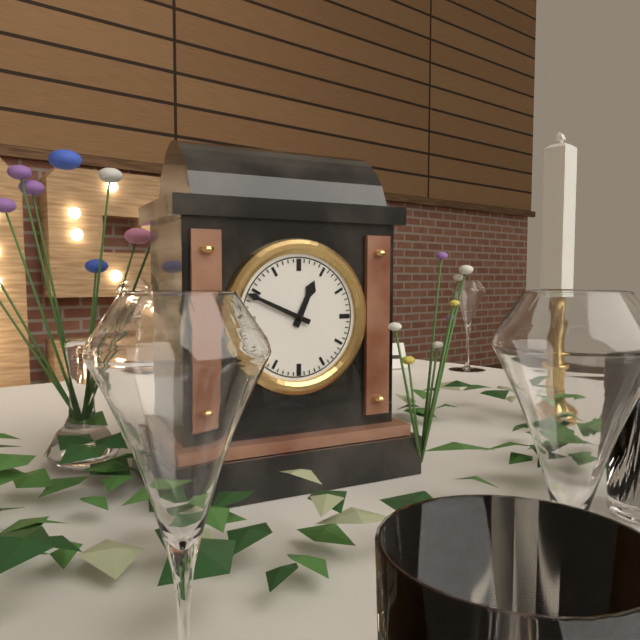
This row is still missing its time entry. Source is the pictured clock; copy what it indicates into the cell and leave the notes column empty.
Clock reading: 12:49
